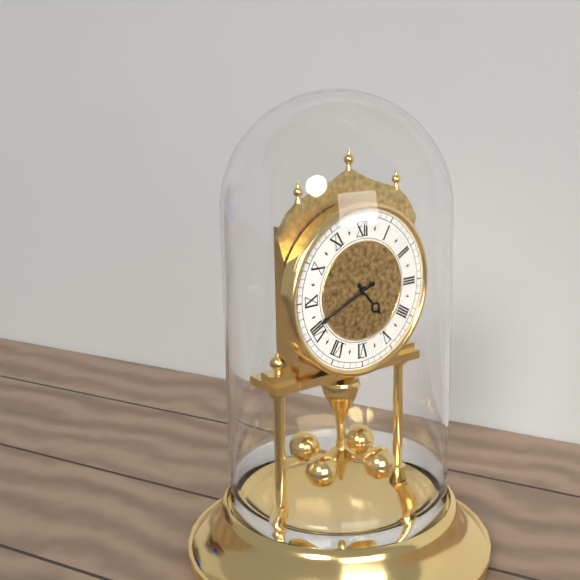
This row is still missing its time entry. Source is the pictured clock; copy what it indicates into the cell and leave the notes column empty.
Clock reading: 4:41
